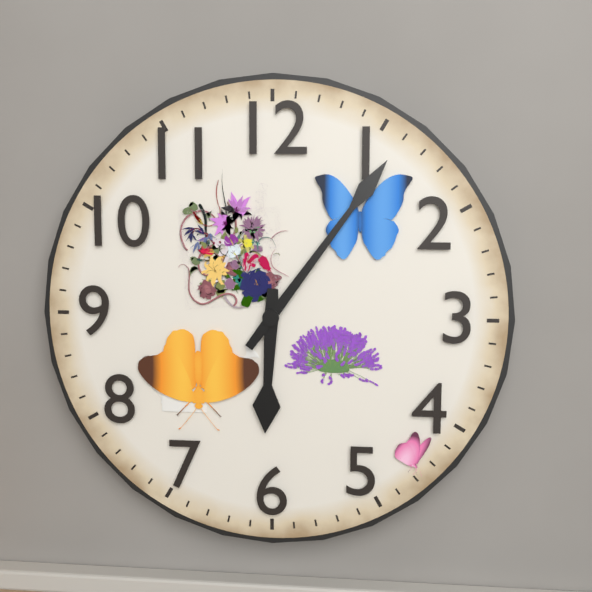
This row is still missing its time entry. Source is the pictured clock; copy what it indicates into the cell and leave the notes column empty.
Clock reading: 6:06
